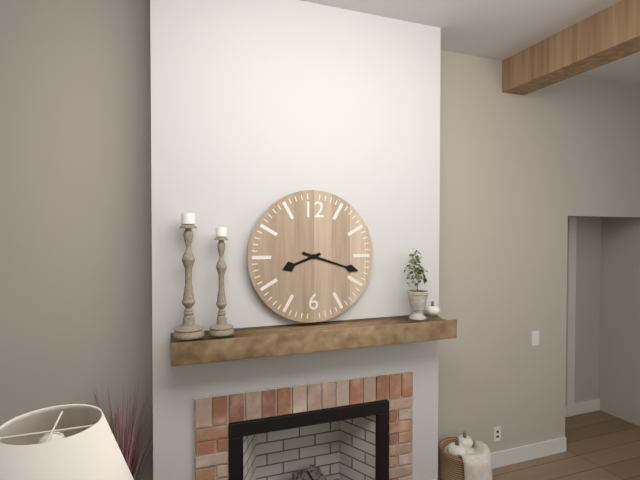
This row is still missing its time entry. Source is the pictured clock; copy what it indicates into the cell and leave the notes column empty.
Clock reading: 8:18
